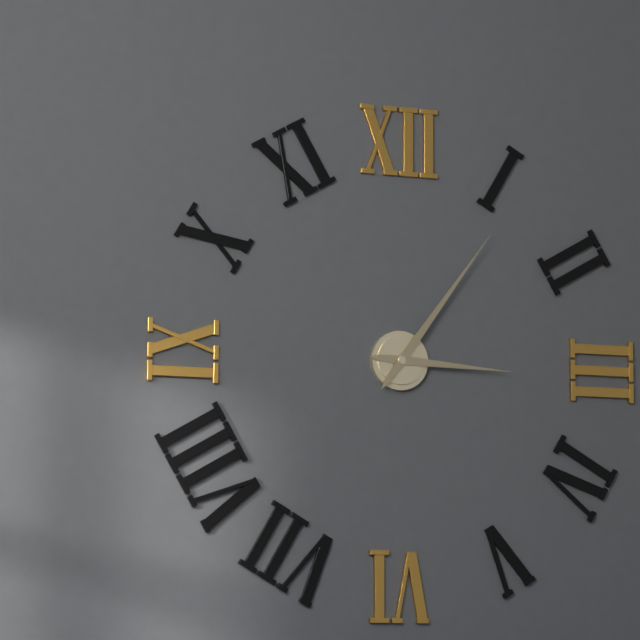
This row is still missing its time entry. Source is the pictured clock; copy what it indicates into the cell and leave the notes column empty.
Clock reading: 3:06
